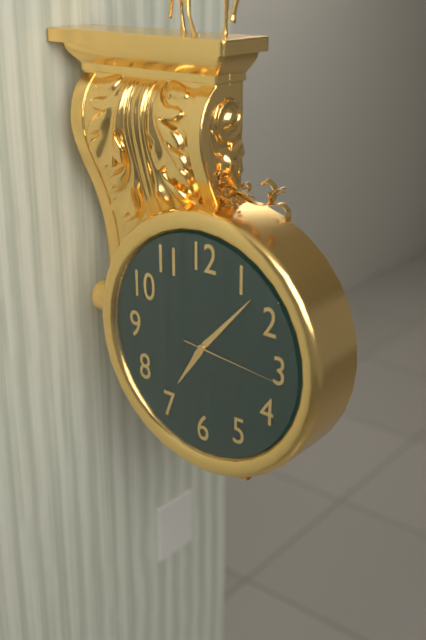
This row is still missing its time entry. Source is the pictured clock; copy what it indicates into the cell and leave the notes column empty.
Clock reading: 7:07:16
